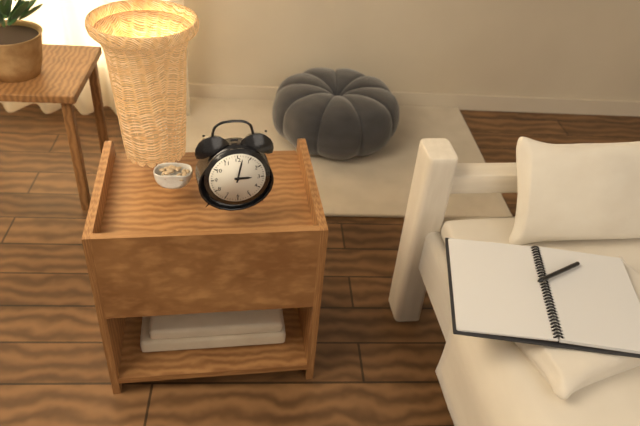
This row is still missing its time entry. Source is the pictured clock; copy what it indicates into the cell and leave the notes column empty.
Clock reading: 3:02
